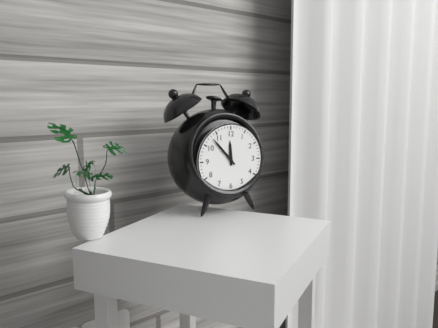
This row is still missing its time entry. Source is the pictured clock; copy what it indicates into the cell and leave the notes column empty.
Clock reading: 11:53
